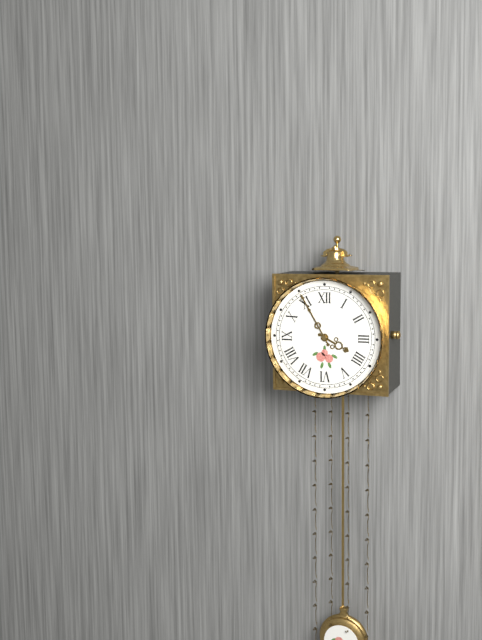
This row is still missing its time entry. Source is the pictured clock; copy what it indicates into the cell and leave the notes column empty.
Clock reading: 3:55
